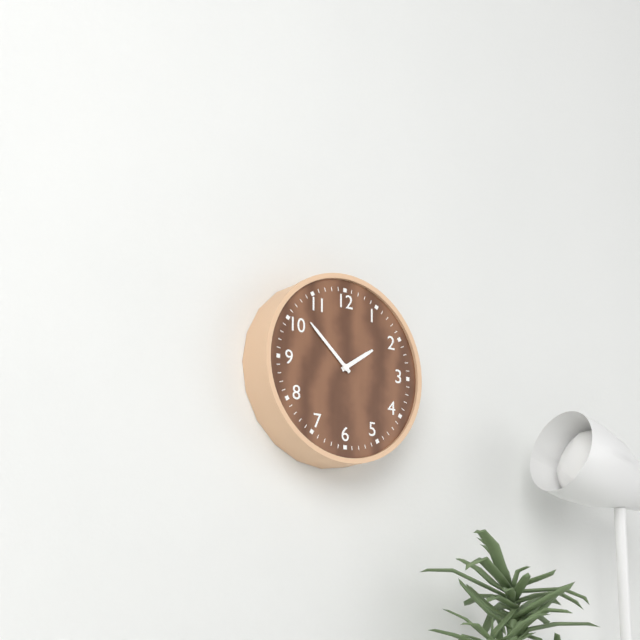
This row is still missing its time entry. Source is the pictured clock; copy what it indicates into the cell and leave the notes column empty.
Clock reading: 1:52
